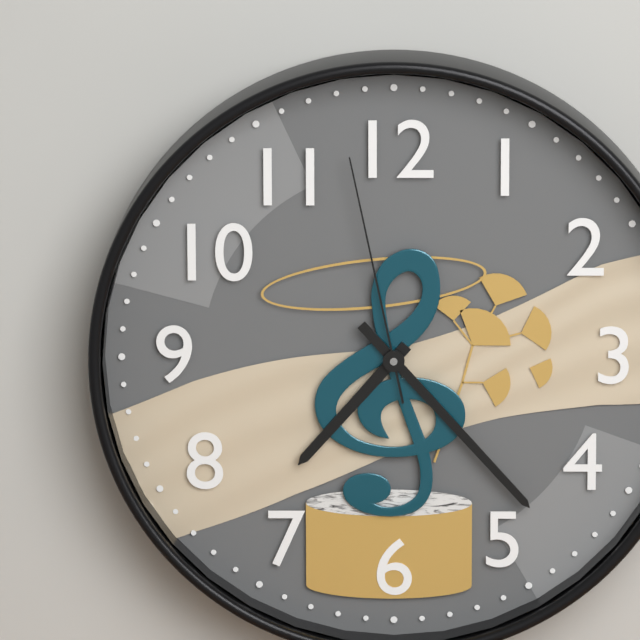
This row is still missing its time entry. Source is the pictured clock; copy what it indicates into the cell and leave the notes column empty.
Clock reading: 7:23:58
